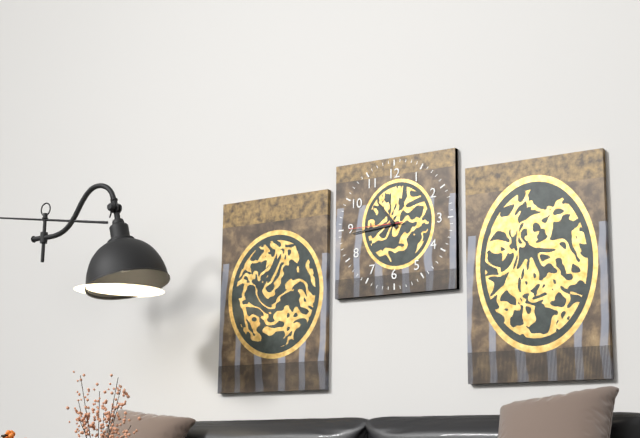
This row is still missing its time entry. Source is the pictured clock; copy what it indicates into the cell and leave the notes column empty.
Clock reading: 10:44:45
